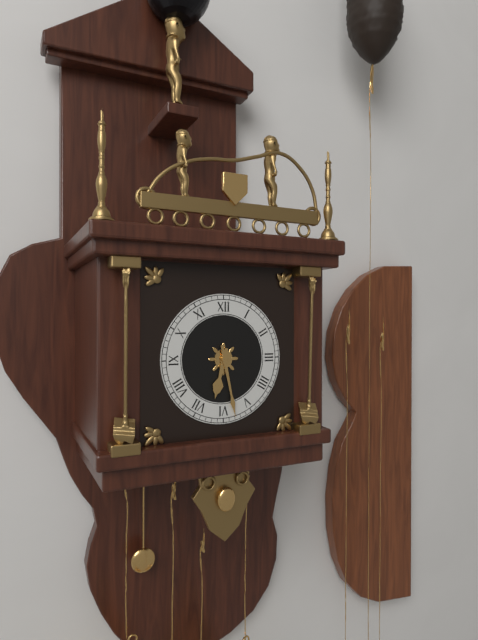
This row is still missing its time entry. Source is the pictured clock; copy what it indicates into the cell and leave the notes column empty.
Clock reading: 6:28
